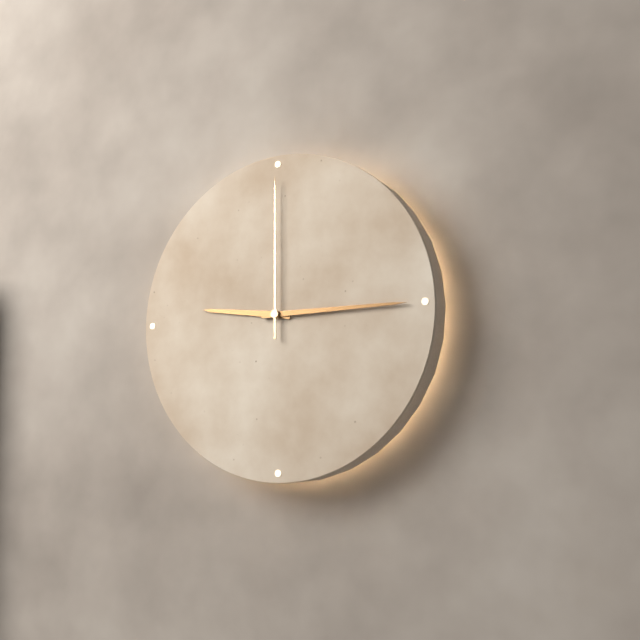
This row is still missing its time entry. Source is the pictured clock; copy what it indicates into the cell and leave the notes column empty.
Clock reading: 9:15:00
